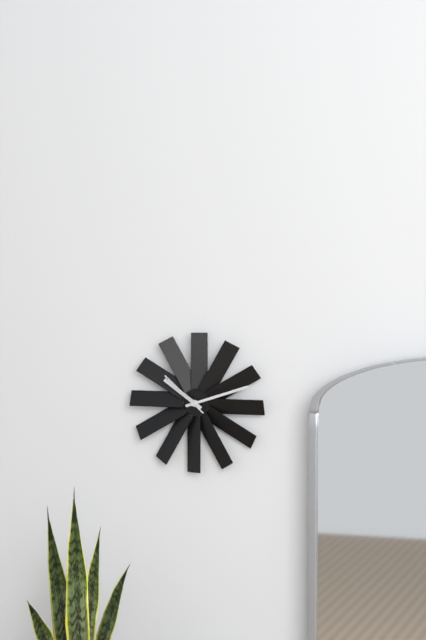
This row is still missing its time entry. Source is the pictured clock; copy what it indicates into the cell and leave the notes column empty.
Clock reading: 10:12:52
